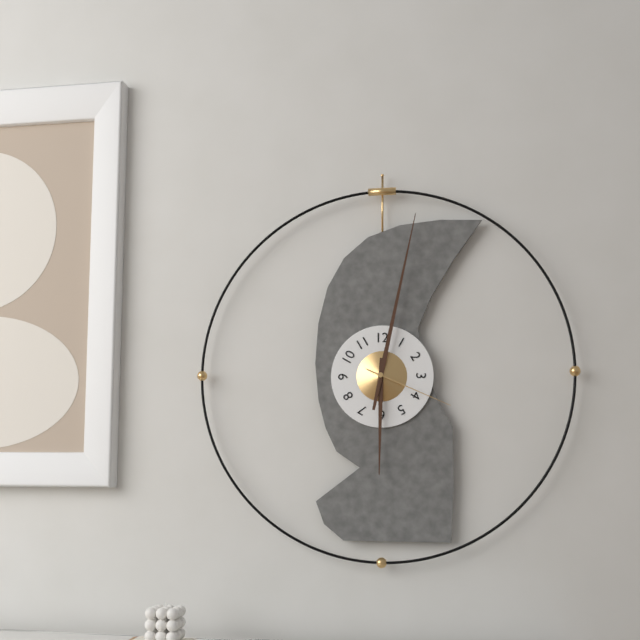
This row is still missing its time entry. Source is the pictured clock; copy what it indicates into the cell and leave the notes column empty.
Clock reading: 6:02:19
